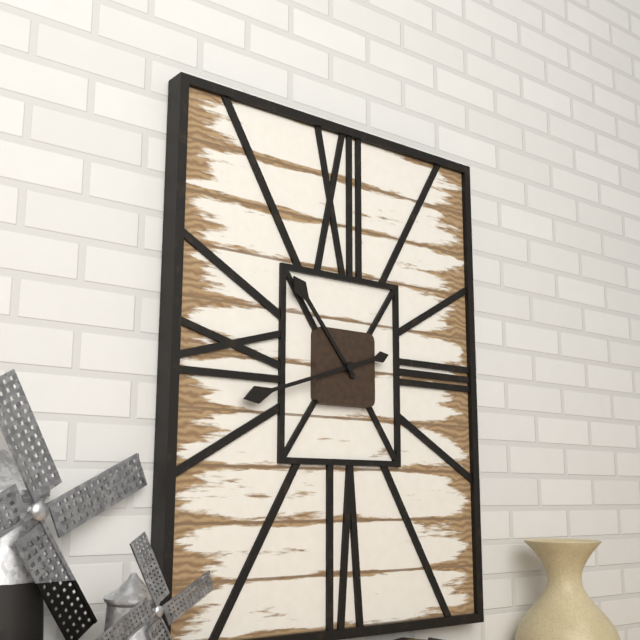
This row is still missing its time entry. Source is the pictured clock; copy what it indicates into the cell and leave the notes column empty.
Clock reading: 10:42
